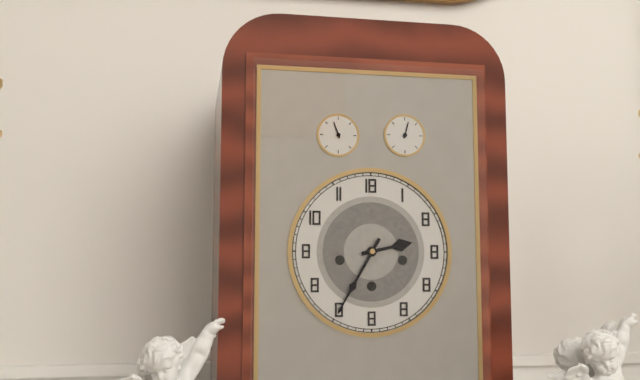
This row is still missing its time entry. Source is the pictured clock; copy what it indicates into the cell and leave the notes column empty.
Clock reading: 2:35
